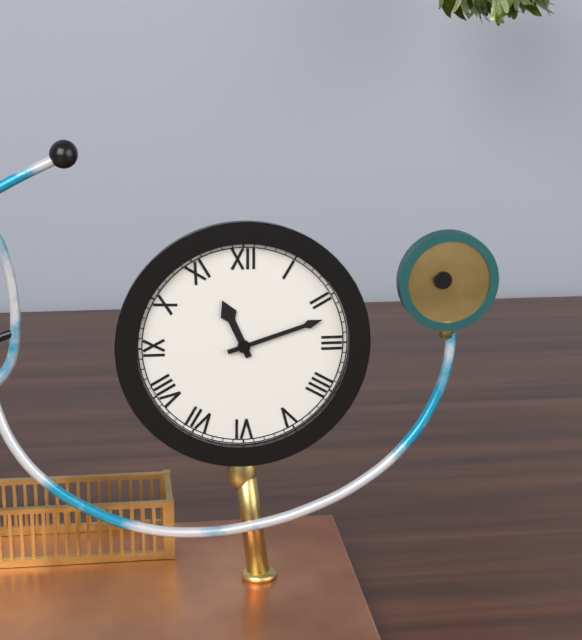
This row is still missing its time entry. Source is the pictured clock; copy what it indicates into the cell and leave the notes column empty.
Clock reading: 11:12
